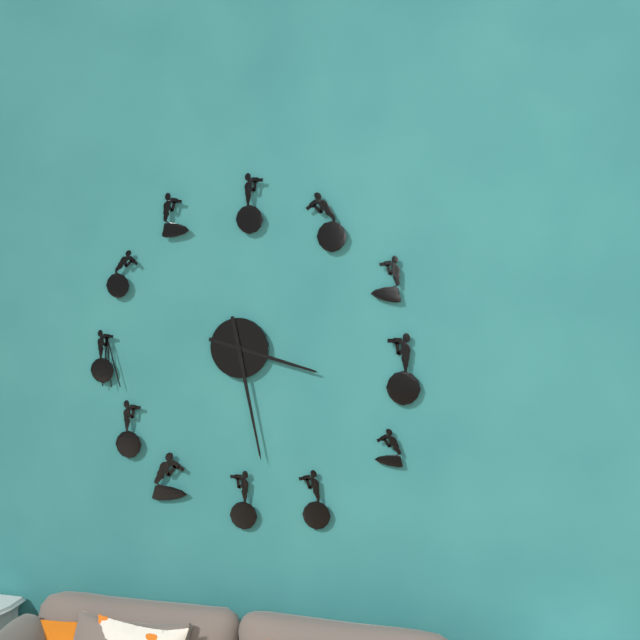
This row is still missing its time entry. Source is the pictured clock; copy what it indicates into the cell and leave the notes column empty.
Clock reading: 3:28
